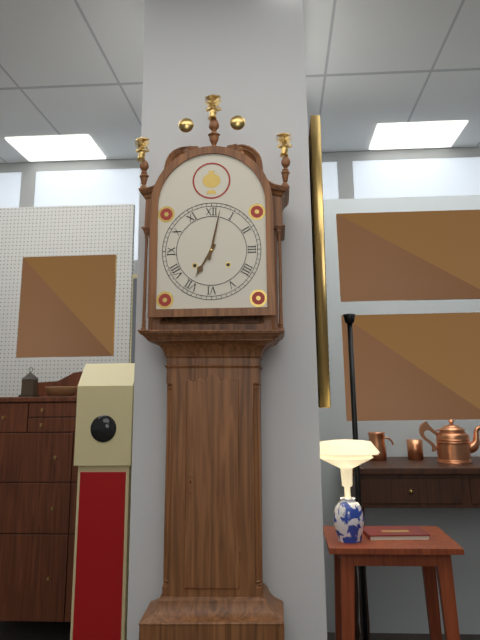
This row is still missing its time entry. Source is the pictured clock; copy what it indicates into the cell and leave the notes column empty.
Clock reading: 7:02
